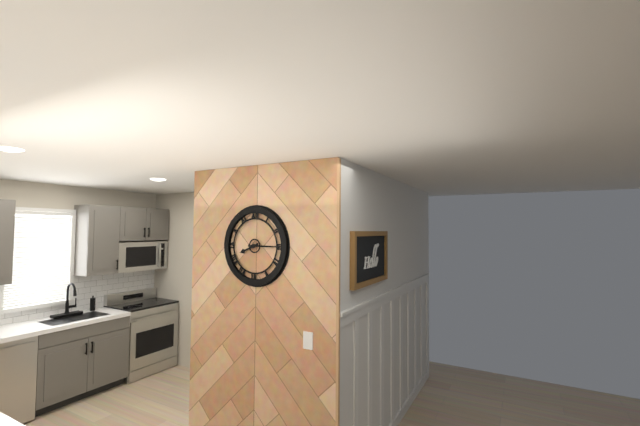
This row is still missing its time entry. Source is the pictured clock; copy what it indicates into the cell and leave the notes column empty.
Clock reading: 8:15
